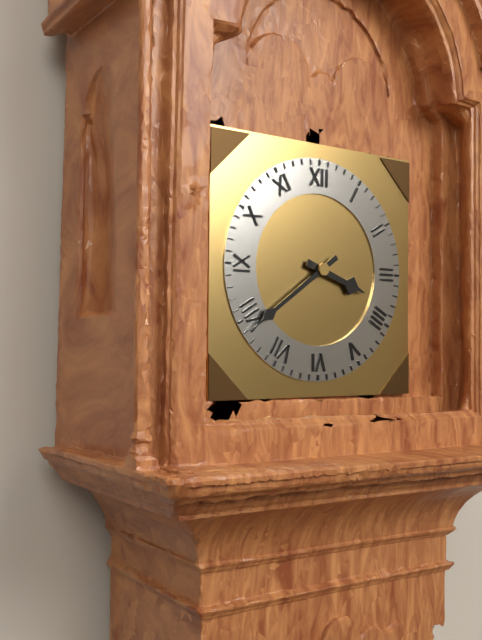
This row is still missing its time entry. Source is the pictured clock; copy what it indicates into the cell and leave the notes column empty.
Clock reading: 3:39
